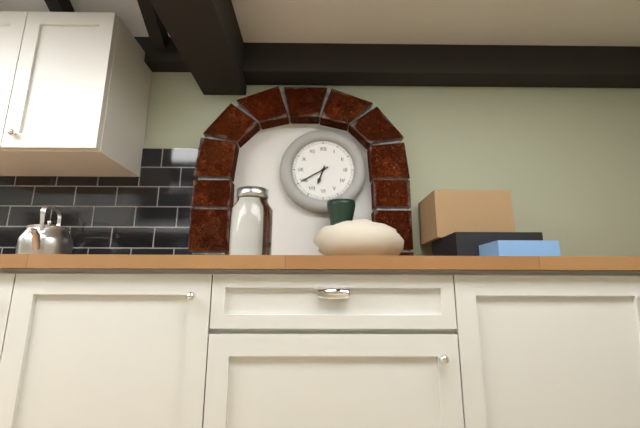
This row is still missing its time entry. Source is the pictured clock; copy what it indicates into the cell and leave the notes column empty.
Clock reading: 6:40
